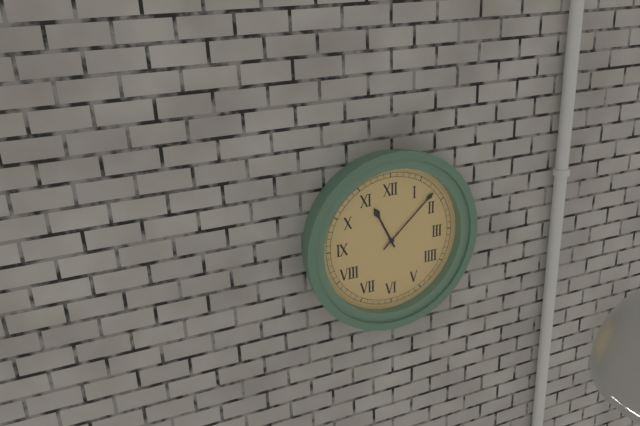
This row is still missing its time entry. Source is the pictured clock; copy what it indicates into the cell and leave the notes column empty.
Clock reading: 11:08
